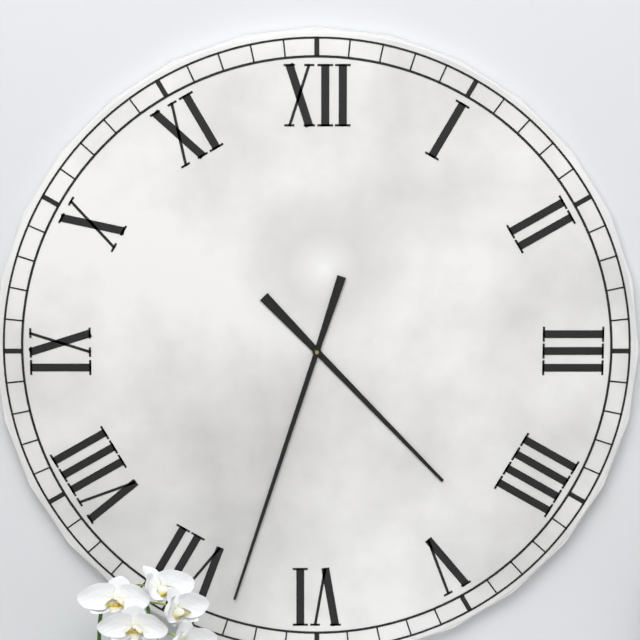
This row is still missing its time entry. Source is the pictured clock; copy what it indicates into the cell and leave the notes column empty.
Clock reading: 4:33
